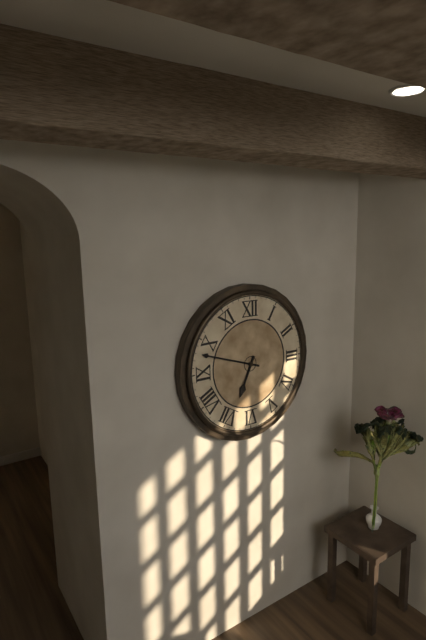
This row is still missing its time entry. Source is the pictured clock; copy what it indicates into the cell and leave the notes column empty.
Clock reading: 6:48
